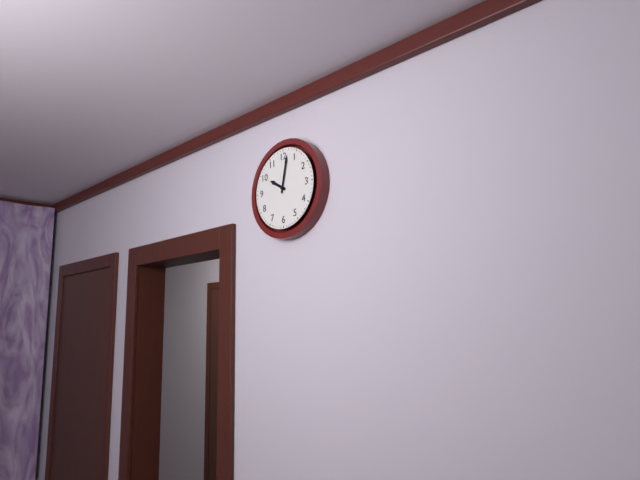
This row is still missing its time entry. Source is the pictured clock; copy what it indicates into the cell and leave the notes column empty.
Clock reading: 10:02
